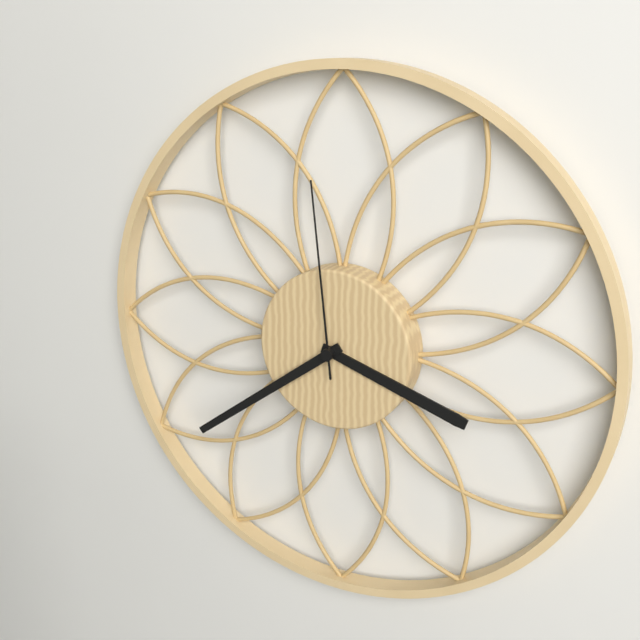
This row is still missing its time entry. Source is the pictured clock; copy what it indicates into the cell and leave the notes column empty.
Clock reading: 3:39:59
